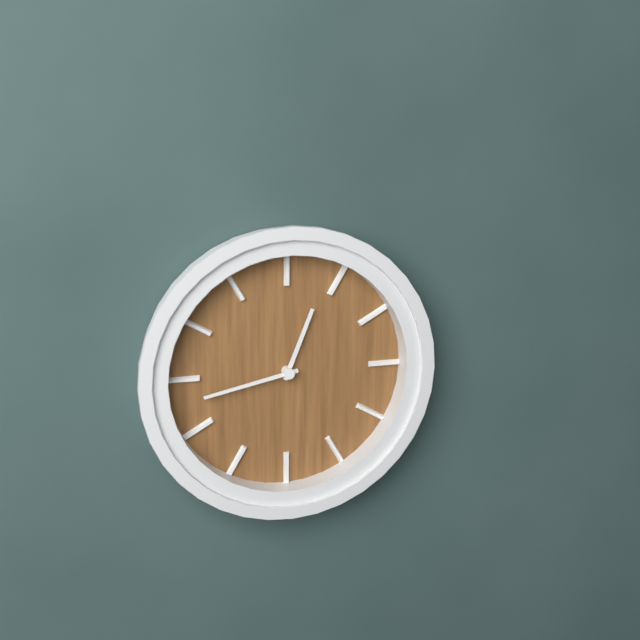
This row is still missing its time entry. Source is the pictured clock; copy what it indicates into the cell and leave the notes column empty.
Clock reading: 12:43
